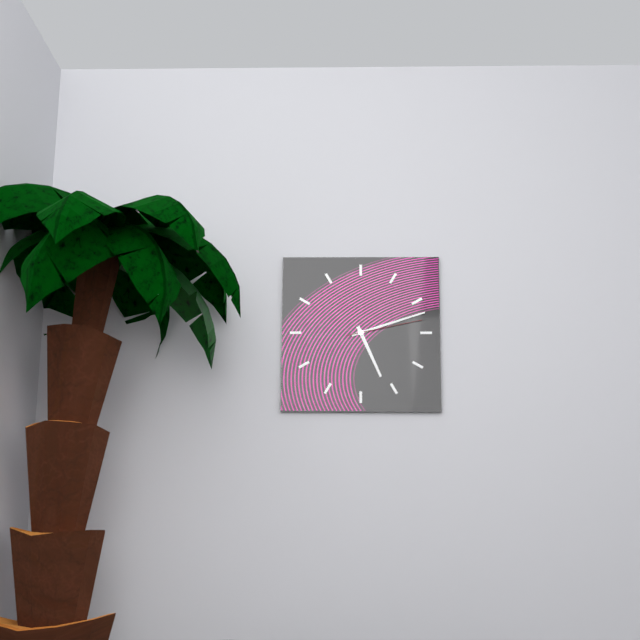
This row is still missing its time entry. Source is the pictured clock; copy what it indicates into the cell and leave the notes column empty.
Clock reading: 5:12:13
